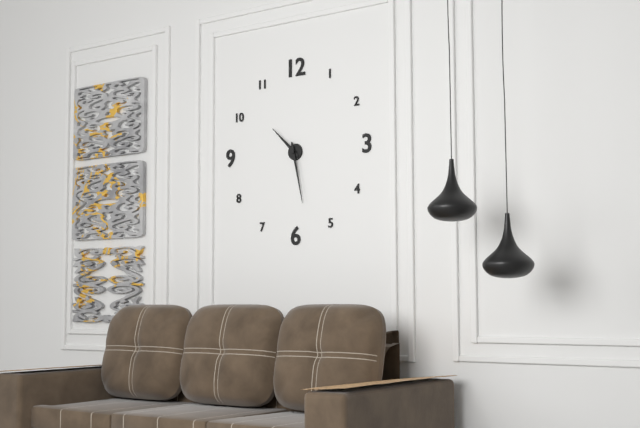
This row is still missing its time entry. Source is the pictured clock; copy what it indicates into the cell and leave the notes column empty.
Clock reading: 10:28
